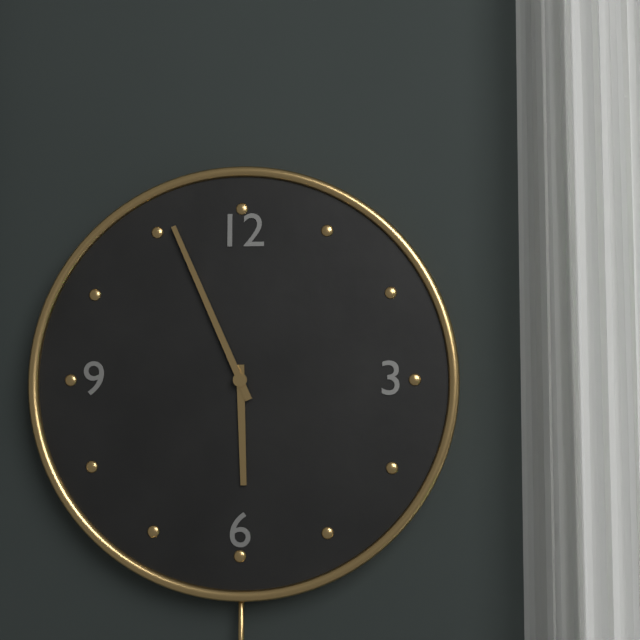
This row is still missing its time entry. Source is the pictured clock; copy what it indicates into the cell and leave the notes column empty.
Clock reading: 5:56
